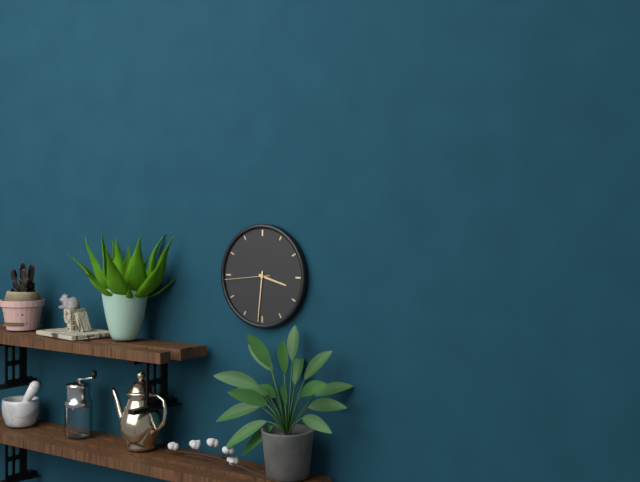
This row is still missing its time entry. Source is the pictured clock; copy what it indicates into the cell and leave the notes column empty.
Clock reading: 3:31
